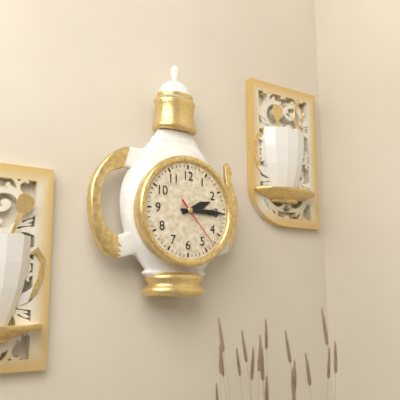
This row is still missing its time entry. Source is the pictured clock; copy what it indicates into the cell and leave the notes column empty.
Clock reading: 2:15:23
